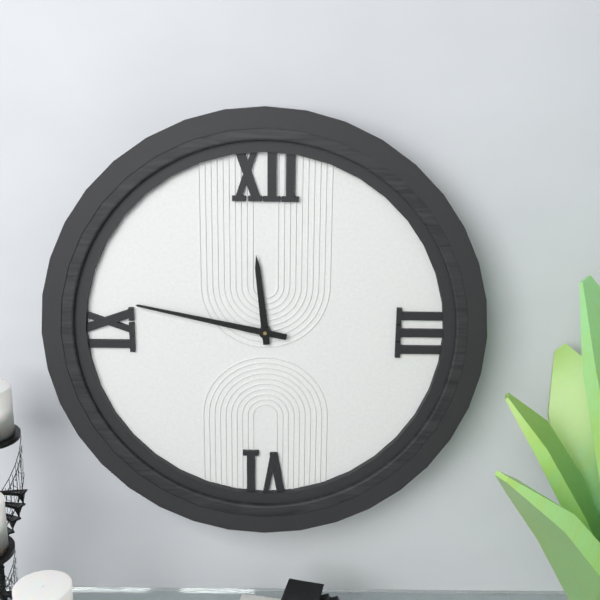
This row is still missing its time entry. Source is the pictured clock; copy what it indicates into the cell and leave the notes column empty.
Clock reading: 11:47
